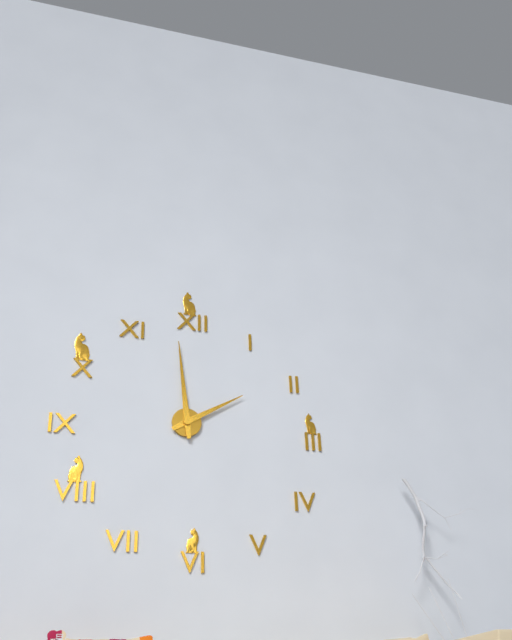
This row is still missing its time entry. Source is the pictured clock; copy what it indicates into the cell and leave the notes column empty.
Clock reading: 1:59
